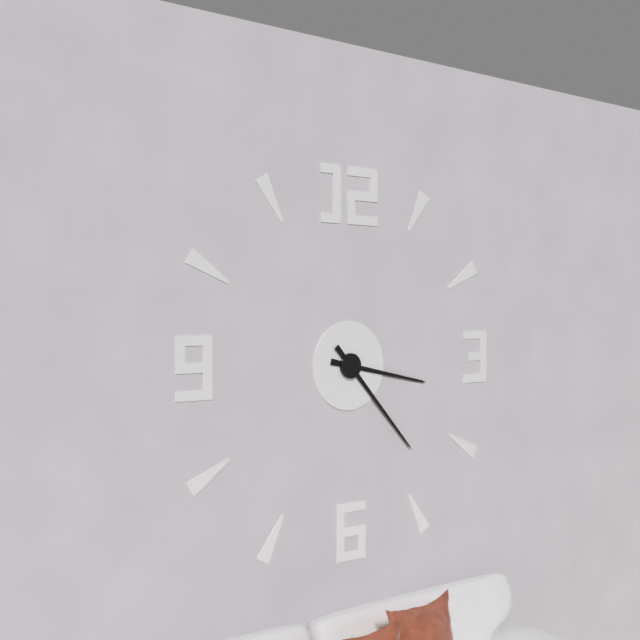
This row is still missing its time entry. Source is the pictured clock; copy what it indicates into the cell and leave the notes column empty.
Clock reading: 3:23
